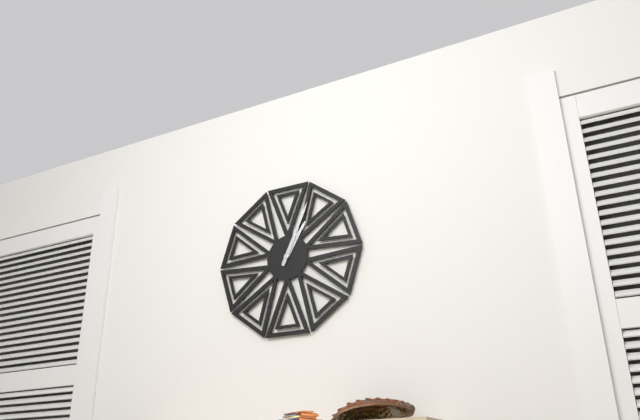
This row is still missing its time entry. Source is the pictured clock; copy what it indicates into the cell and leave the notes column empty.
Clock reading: 1:04
